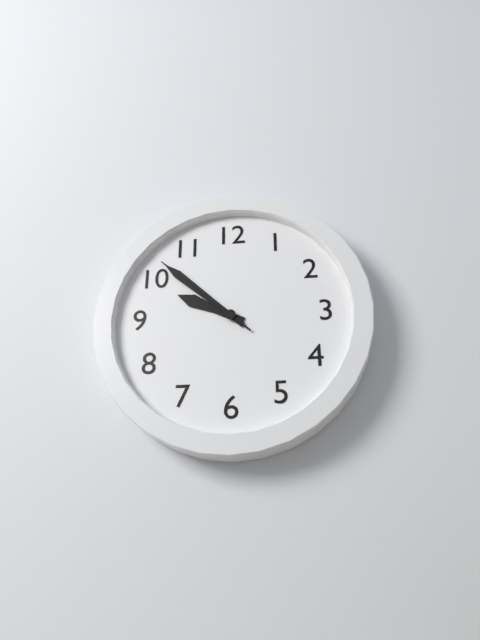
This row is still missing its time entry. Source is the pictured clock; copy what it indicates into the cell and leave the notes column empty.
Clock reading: 9:52:52
